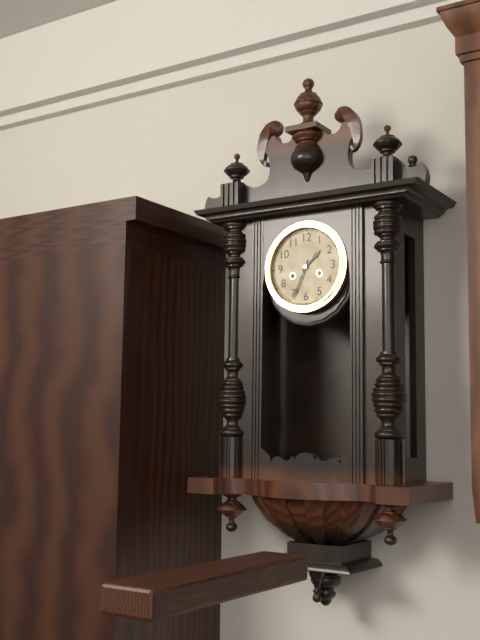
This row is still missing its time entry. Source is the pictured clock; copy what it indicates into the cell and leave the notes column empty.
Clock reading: 1:34
